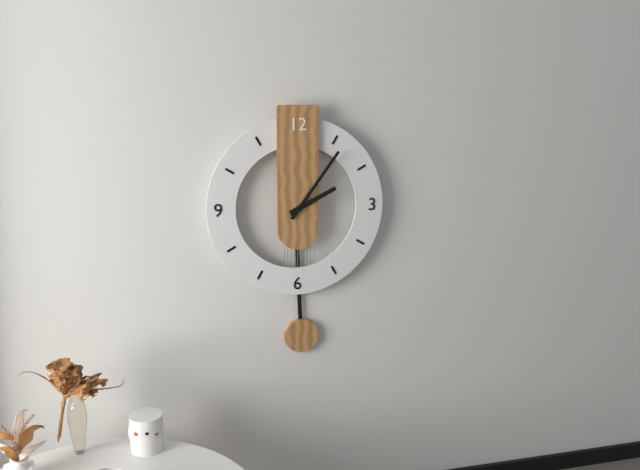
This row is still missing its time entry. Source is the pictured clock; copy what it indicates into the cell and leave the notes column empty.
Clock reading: 2:06
